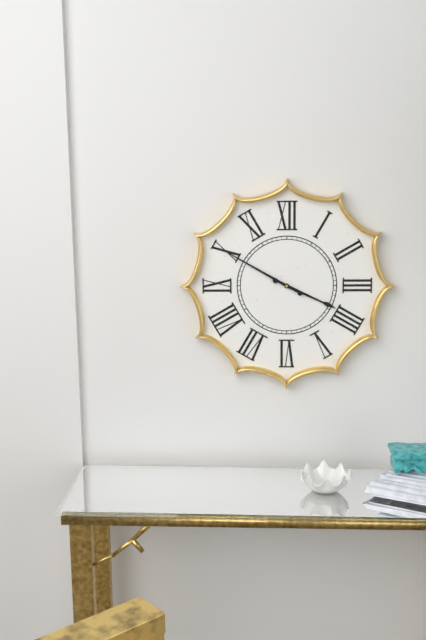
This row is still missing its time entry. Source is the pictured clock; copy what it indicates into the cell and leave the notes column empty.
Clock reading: 3:50
